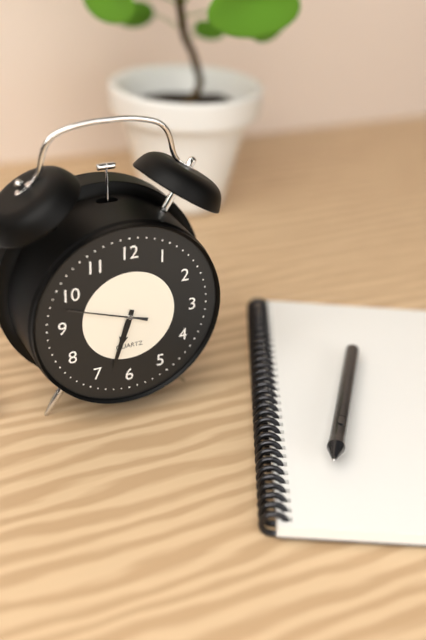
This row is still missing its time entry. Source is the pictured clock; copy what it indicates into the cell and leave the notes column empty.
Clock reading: 6:33:48
